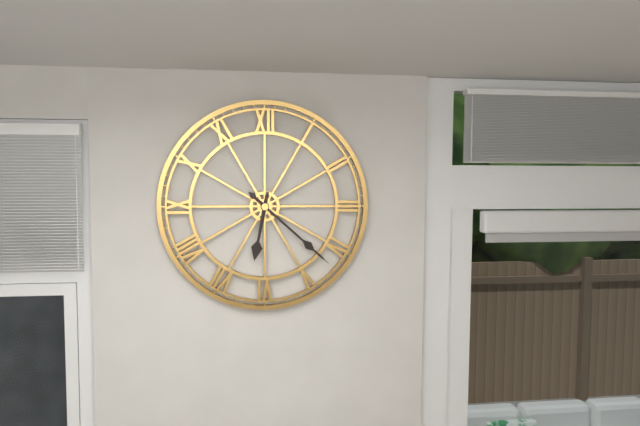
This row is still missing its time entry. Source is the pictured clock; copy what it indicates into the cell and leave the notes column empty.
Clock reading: 6:22
